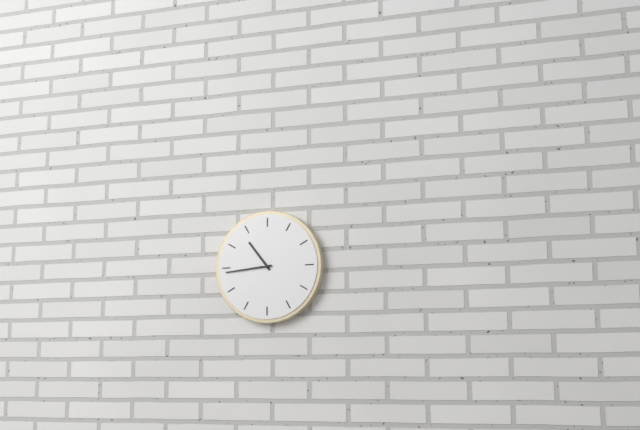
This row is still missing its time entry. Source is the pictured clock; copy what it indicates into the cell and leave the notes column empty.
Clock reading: 10:44
